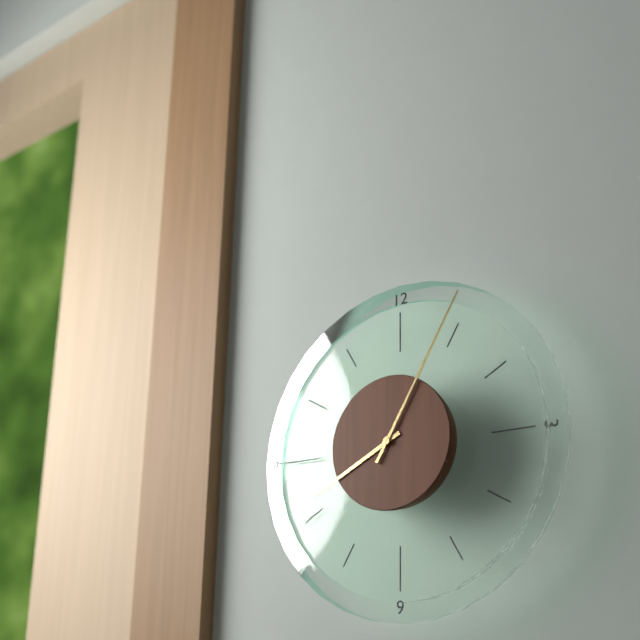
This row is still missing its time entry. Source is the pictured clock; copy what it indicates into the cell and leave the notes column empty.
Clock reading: 8:05
